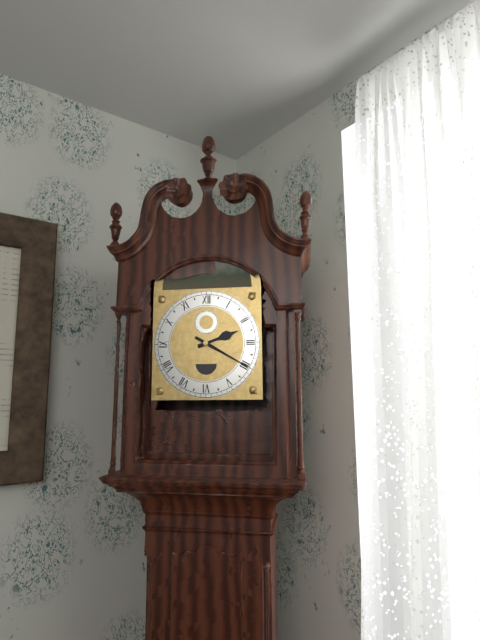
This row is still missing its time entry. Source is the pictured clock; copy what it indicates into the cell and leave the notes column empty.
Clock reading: 2:20
